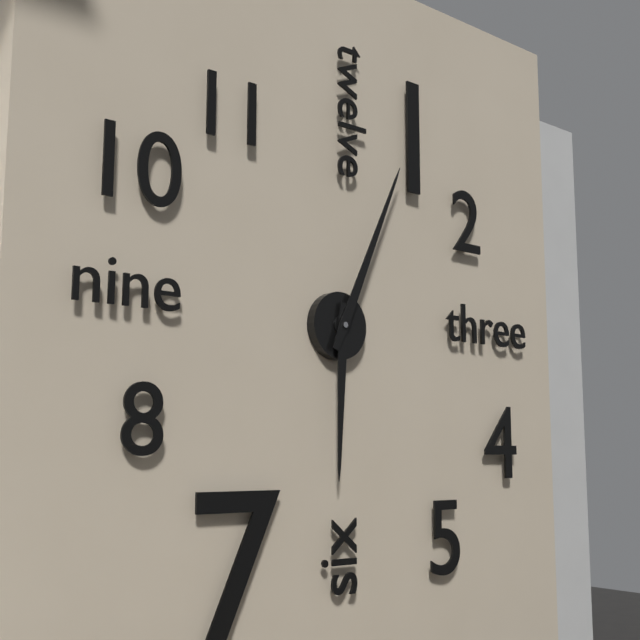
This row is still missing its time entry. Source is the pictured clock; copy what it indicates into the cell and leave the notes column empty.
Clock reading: 6:04
